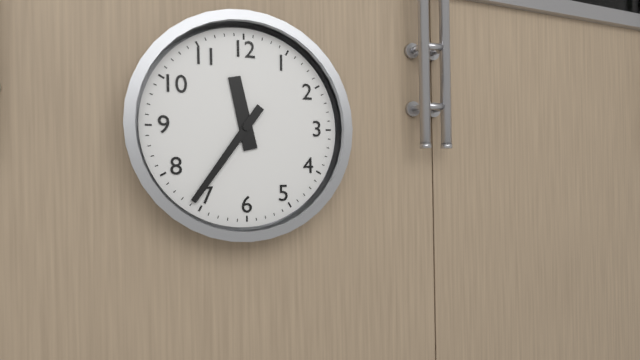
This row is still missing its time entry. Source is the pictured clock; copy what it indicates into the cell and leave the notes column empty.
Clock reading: 11:36
